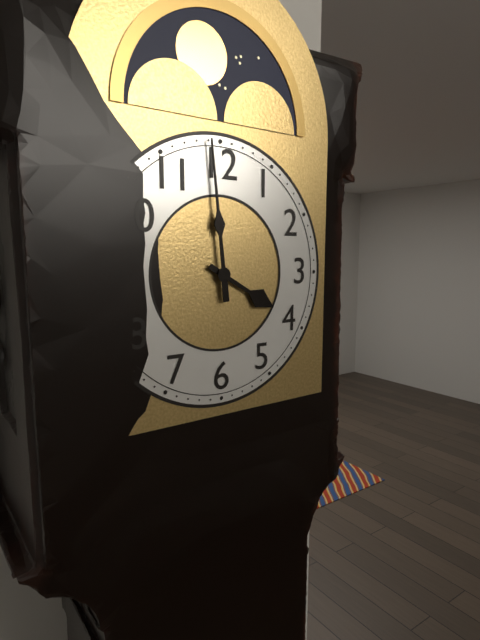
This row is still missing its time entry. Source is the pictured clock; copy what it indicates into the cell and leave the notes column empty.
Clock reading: 3:59
